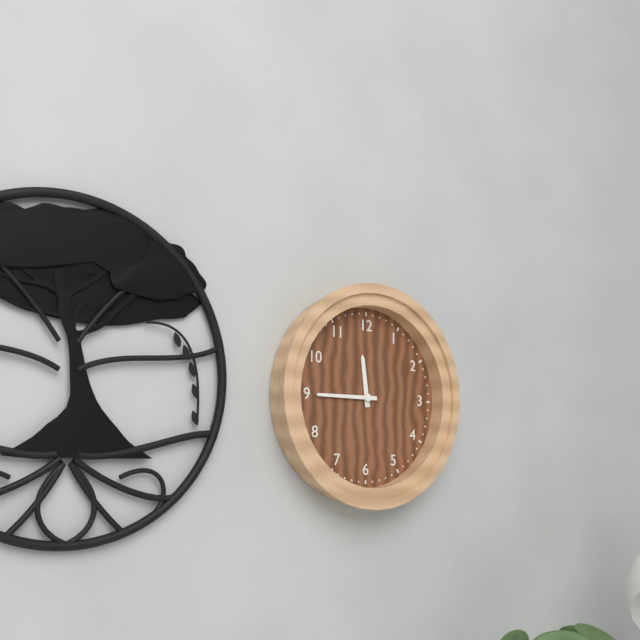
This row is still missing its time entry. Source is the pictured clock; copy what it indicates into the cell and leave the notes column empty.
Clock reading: 11:45
